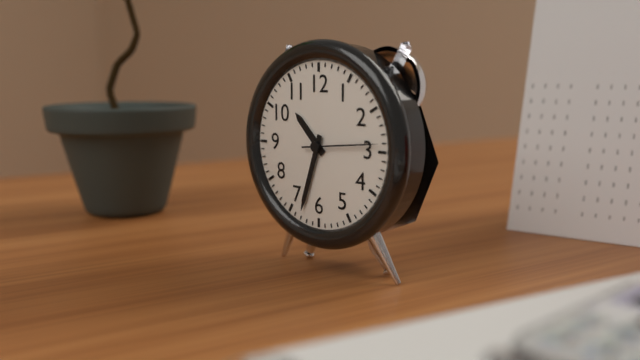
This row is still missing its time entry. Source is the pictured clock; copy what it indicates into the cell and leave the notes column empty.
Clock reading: 10:33:14
